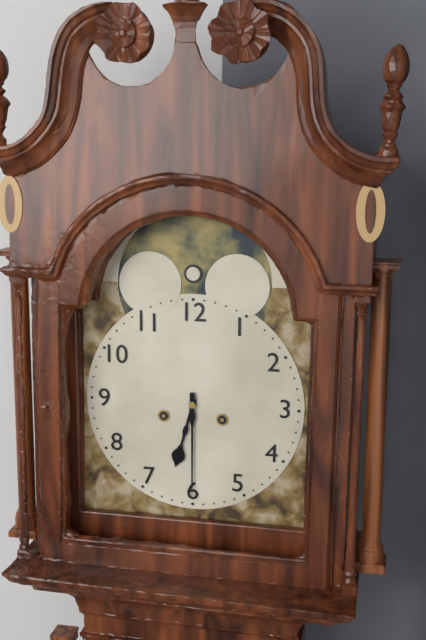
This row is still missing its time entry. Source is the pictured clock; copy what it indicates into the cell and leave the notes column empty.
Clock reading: 6:30
